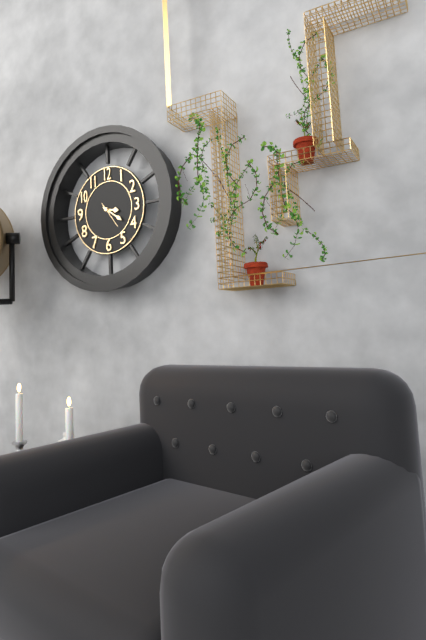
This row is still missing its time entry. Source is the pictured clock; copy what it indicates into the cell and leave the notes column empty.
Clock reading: 3:21
